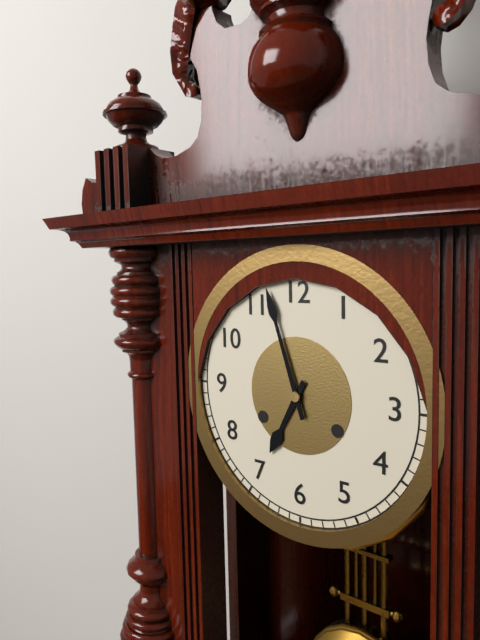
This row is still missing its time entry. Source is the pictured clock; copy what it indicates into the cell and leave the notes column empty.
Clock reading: 6:57
